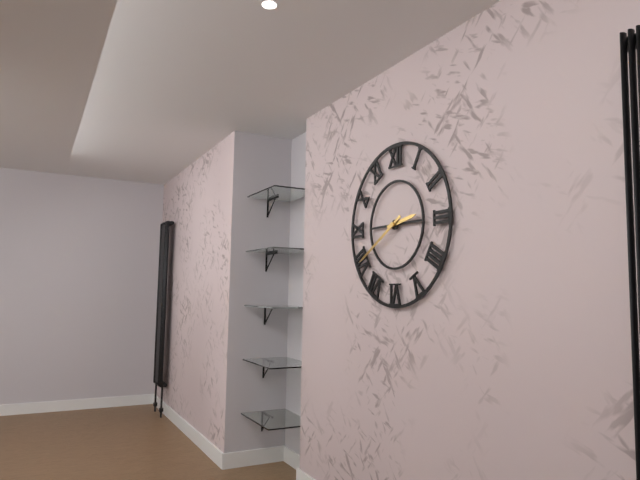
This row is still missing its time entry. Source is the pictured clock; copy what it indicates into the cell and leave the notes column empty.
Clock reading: 2:40
